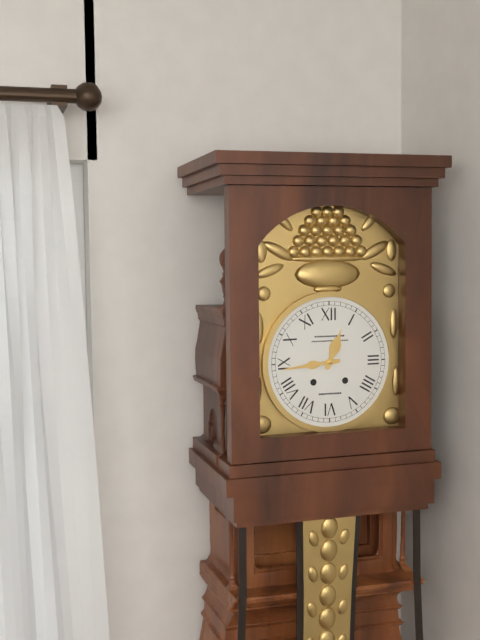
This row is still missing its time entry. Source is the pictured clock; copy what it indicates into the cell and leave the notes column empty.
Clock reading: 12:44
